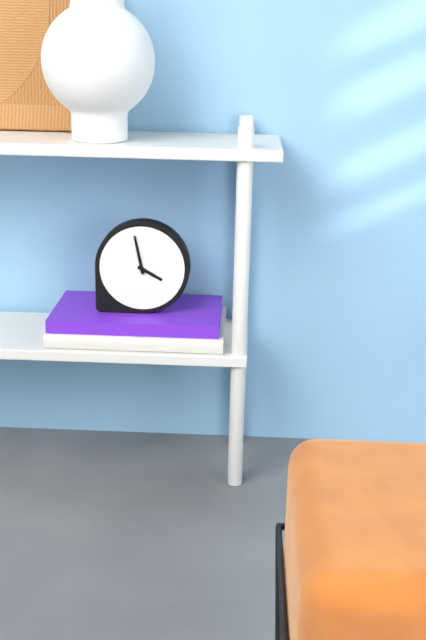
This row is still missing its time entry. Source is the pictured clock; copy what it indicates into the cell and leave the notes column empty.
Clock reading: 3:58
